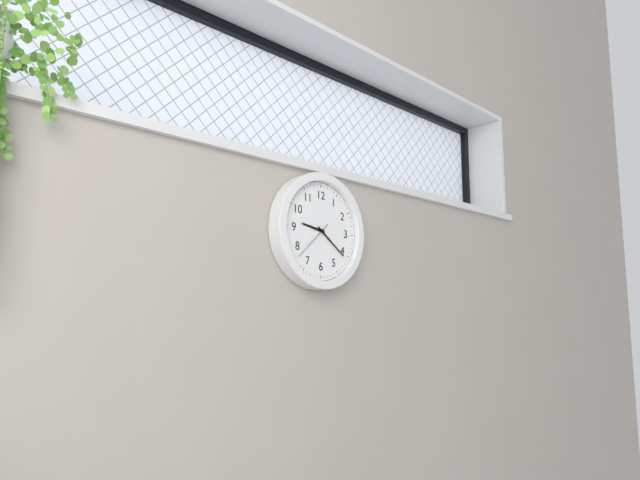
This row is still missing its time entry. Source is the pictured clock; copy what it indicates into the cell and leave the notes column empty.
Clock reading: 9:21
